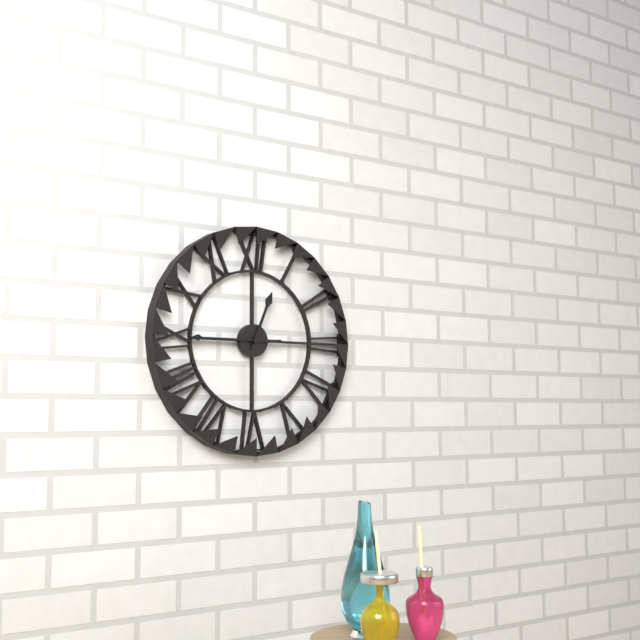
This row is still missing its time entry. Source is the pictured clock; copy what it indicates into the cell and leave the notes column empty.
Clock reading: 12:45
